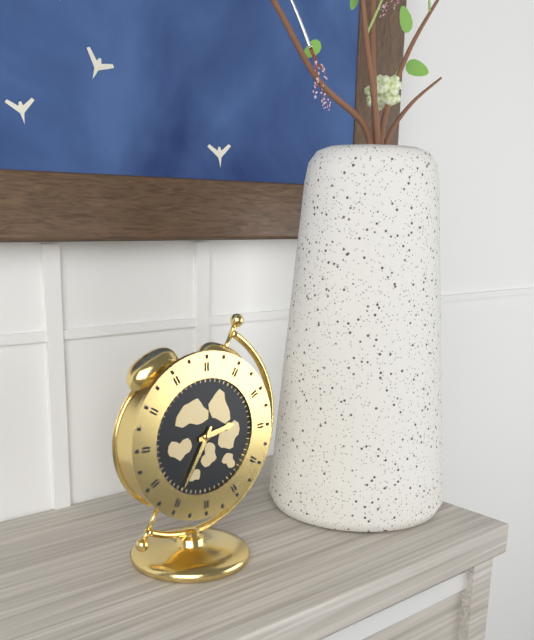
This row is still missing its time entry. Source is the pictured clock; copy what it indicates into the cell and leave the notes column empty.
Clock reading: 2:35
